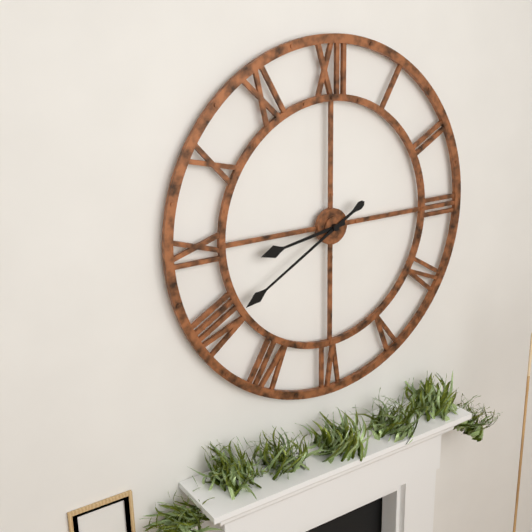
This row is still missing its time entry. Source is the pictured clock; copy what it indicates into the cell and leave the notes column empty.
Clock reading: 8:40
